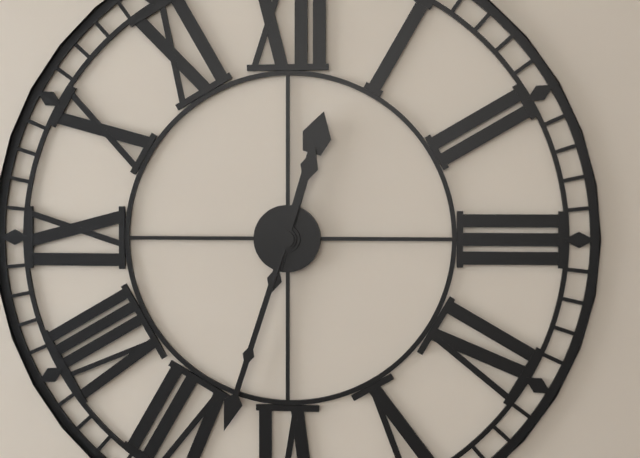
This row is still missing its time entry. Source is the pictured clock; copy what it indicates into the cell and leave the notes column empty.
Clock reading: 12:33
